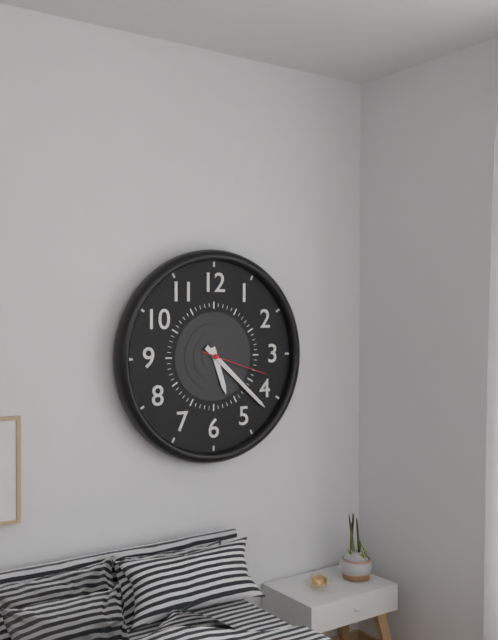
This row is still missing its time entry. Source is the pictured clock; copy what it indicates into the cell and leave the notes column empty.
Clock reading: 5:22:18
